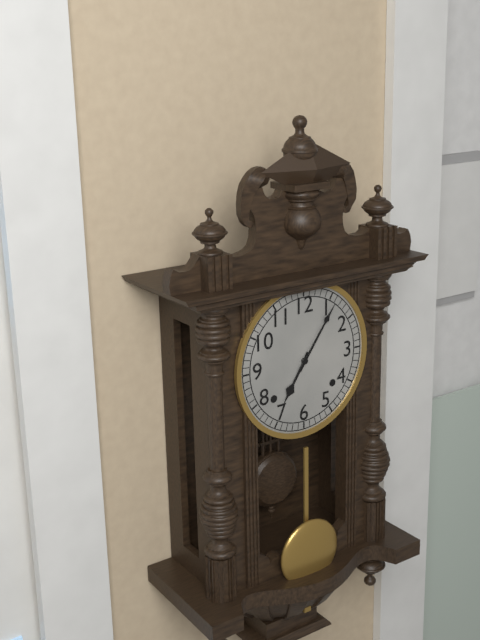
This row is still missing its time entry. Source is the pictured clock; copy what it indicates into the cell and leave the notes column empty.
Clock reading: 7:06
